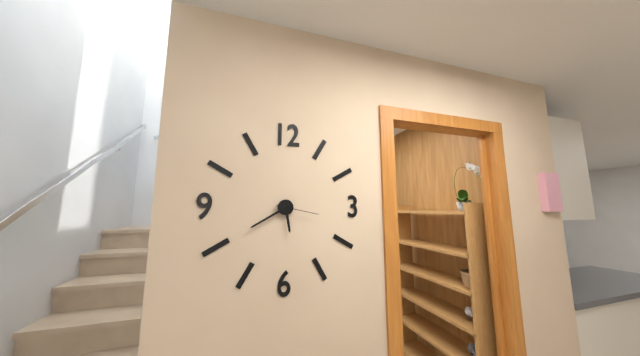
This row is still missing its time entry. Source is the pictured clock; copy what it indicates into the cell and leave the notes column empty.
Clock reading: 5:40
